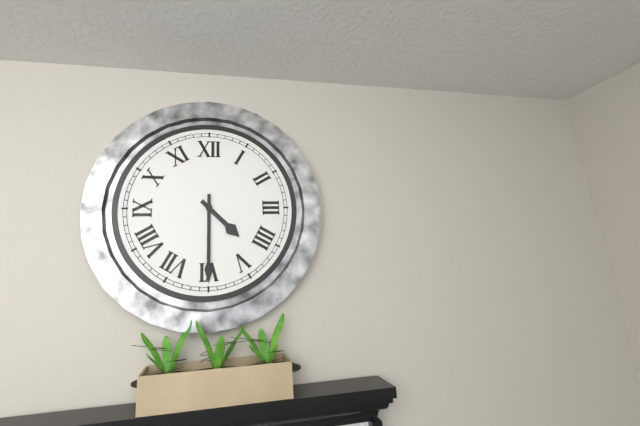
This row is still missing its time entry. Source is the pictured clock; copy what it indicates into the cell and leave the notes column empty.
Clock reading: 4:30
